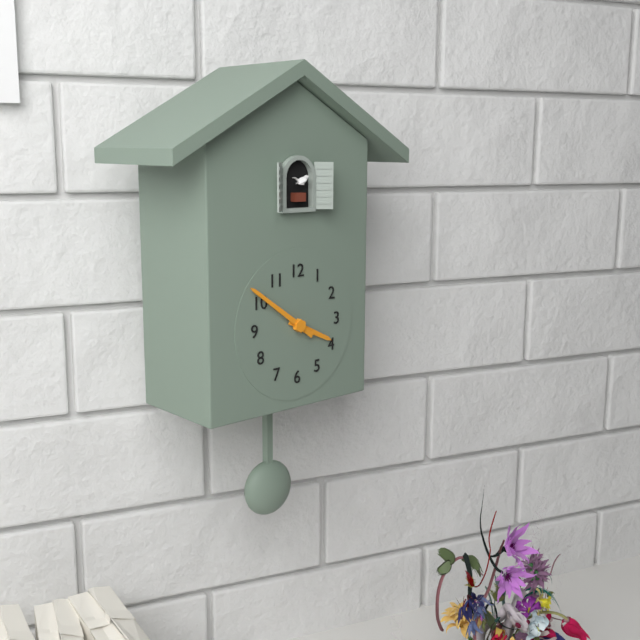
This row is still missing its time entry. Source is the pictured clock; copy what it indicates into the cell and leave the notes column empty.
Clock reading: 3:51
